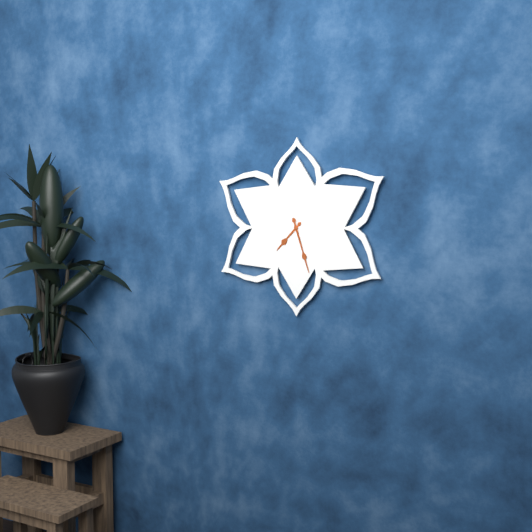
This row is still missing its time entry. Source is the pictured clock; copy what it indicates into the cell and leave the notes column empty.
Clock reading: 7:27
